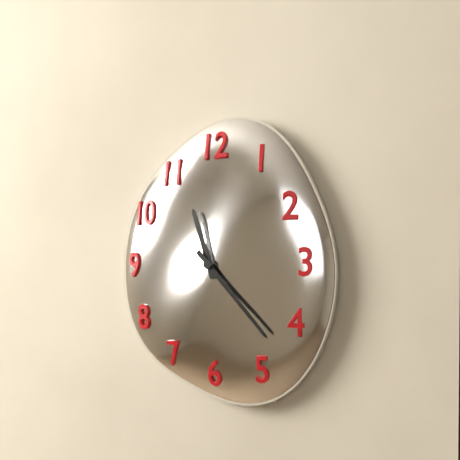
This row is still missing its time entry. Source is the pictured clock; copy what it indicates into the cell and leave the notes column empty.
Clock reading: 11:23
